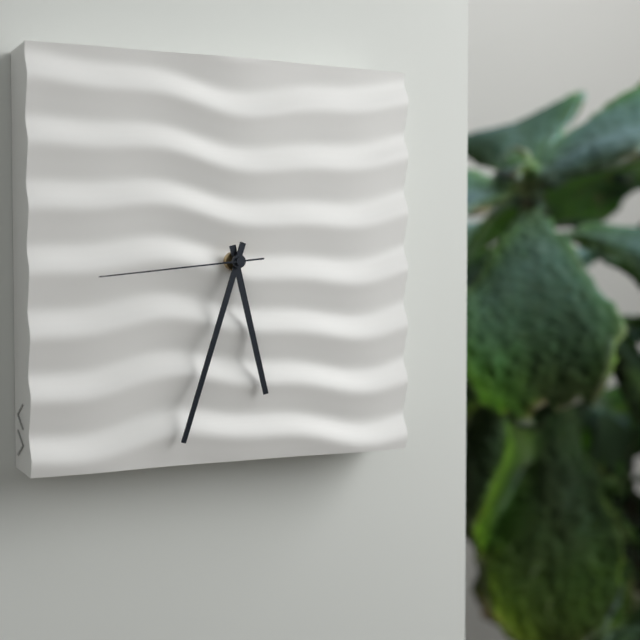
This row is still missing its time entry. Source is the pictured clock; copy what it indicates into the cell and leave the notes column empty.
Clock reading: 5:33:44
